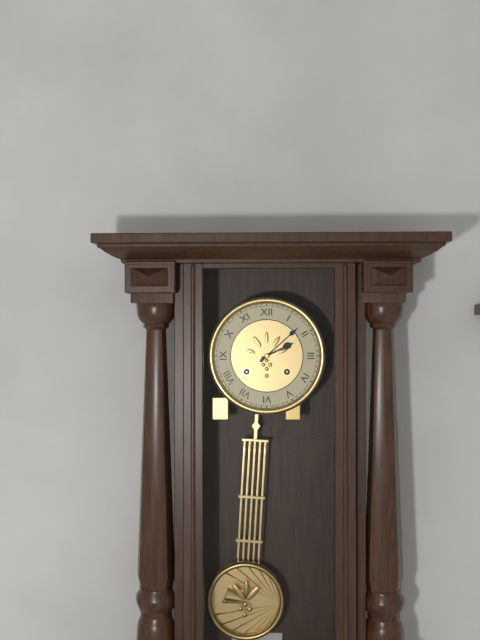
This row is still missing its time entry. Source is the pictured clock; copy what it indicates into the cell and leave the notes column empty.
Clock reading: 2:08
